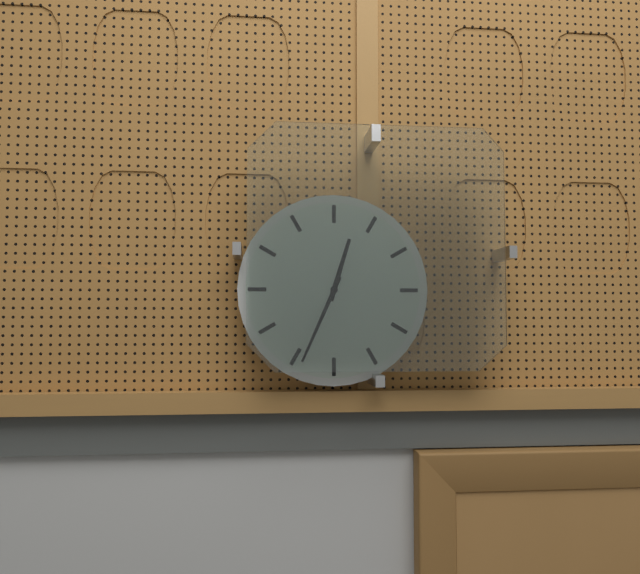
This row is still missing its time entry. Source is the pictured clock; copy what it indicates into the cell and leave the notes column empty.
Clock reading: 12:34
